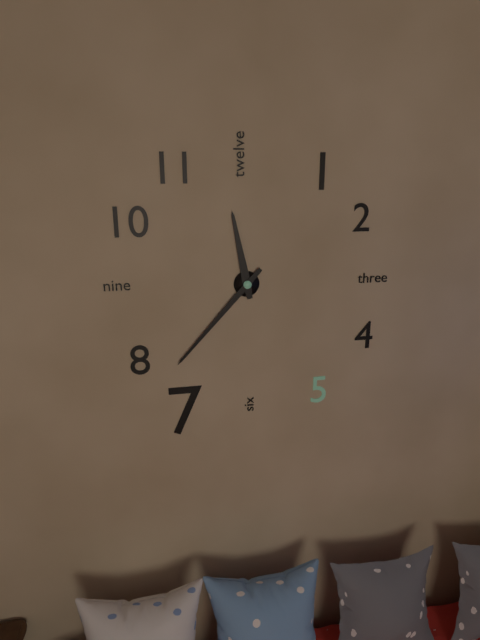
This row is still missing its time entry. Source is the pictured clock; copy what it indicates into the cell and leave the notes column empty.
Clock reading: 11:37
